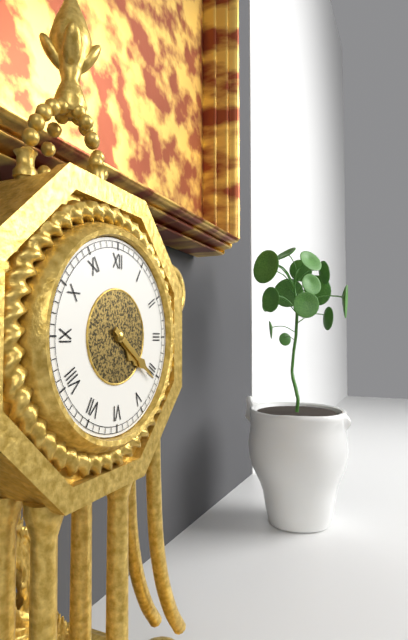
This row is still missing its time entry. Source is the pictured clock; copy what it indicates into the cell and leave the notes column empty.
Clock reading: 4:21
